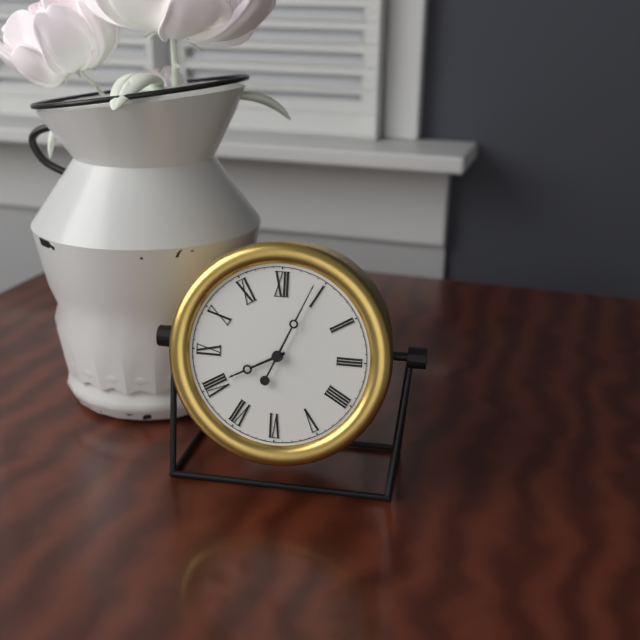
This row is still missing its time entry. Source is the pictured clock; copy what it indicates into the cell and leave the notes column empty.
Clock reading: 8:04
